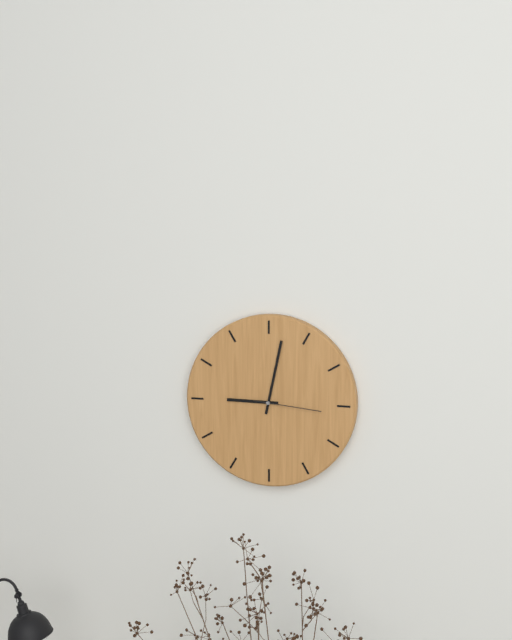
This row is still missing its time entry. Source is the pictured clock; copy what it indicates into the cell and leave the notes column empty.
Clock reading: 9:02:16
